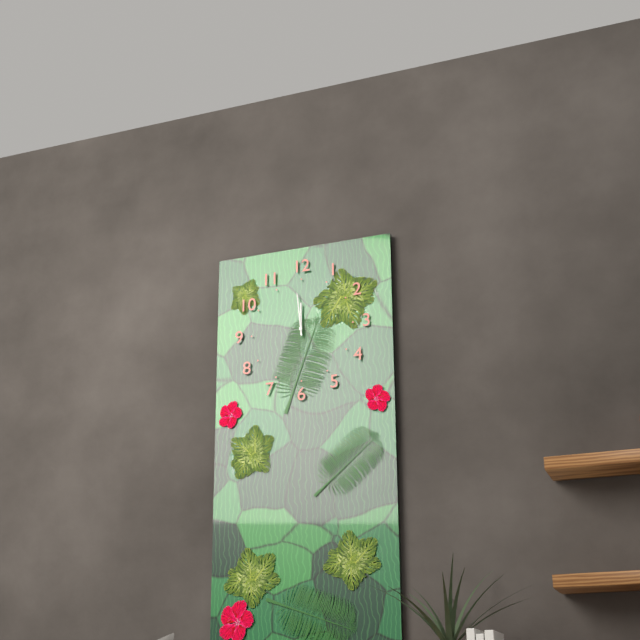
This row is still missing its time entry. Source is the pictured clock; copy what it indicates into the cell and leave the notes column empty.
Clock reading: 11:59
